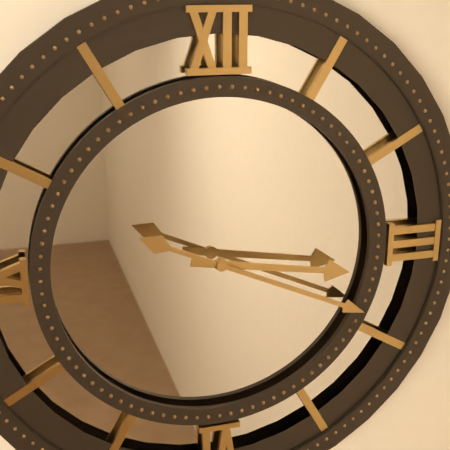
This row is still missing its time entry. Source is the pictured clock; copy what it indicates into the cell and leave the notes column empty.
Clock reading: 3:19
